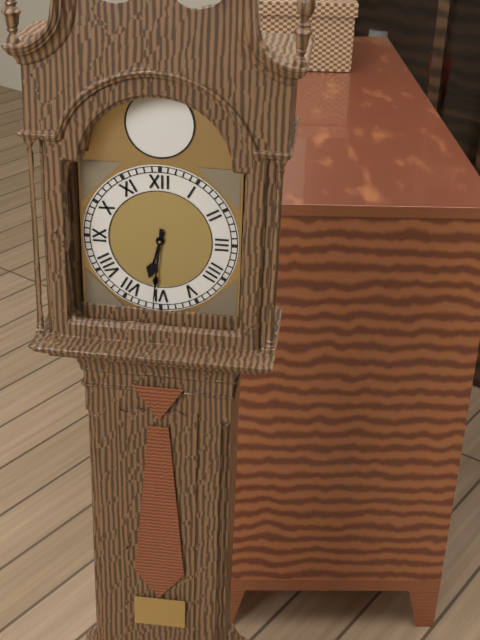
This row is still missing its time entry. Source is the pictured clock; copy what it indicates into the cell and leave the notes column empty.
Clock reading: 6:31
